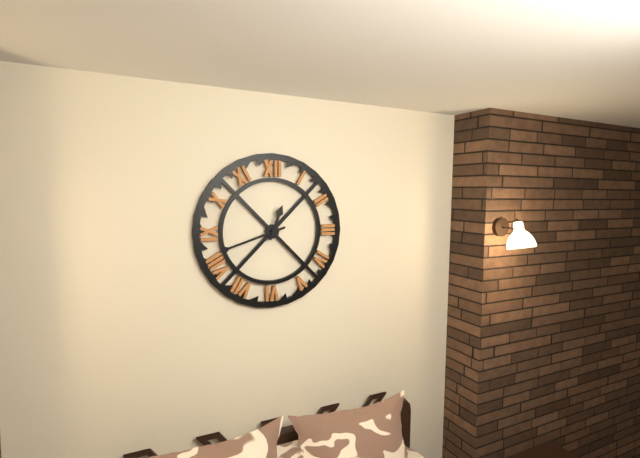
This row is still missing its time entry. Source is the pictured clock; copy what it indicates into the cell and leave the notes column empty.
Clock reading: 12:42
